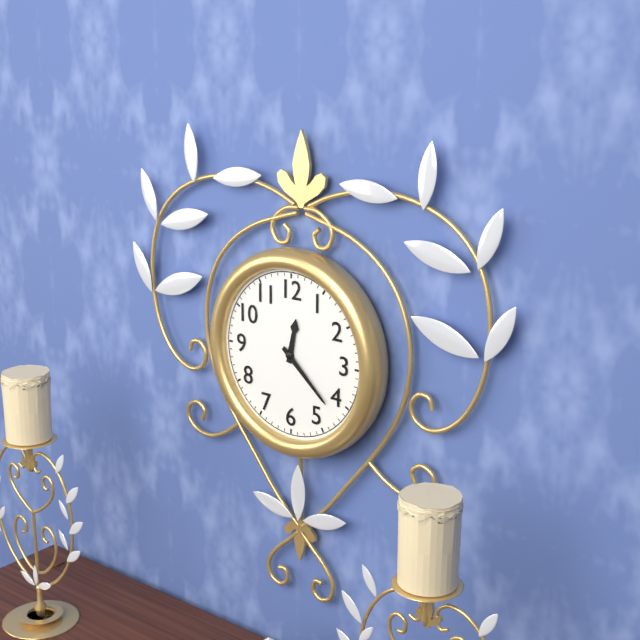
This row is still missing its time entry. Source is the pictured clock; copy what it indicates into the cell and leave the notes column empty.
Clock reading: 12:22
